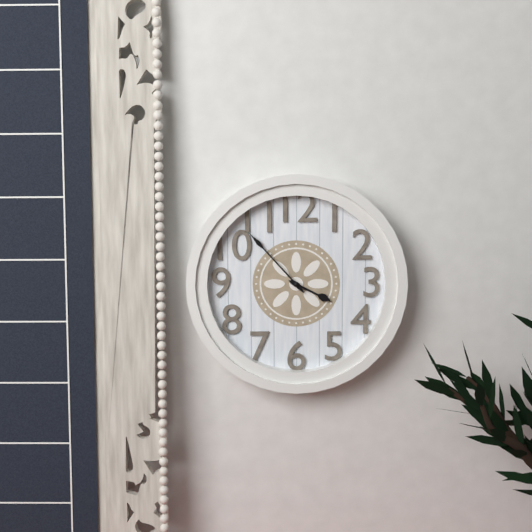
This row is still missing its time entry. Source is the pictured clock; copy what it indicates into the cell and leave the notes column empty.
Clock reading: 3:53
